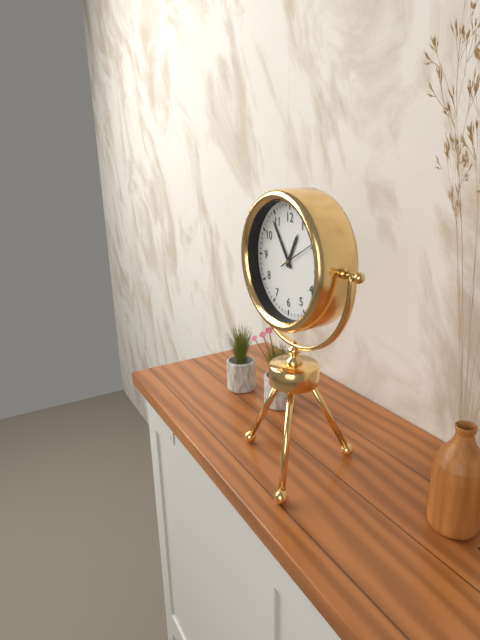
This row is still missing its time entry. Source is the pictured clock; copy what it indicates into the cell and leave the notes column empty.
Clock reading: 12:54
